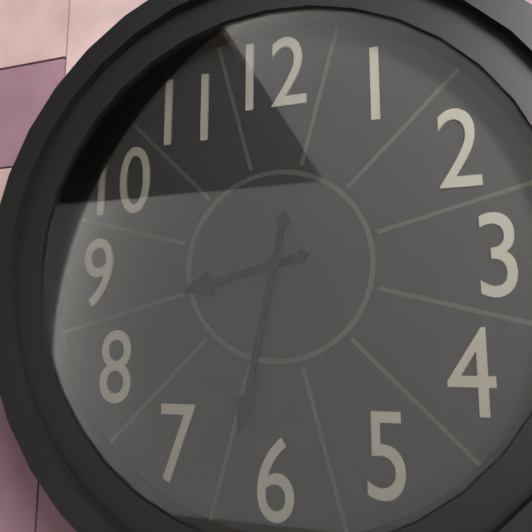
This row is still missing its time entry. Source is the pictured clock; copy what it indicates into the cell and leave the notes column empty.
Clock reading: 8:32
